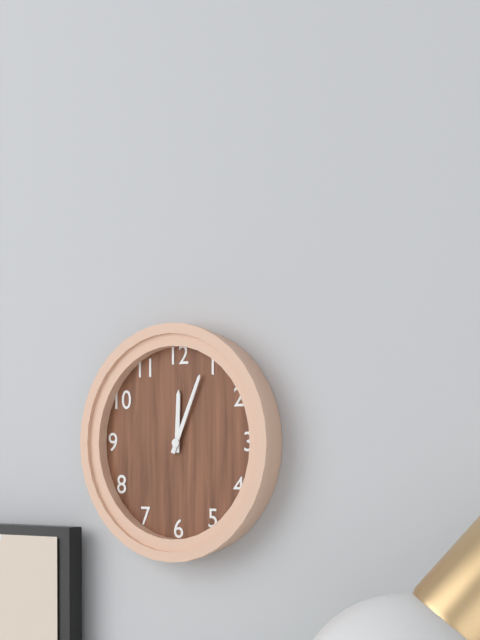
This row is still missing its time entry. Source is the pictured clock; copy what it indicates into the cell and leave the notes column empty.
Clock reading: 12:04
